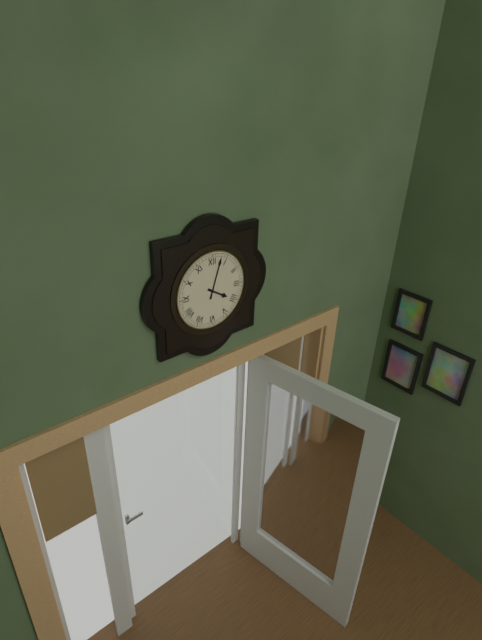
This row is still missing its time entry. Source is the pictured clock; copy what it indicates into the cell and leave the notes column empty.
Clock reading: 4:03
